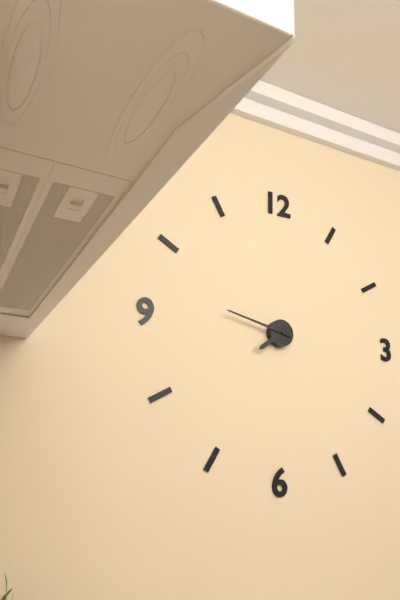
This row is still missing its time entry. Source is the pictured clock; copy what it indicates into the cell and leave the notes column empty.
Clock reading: 7:47
